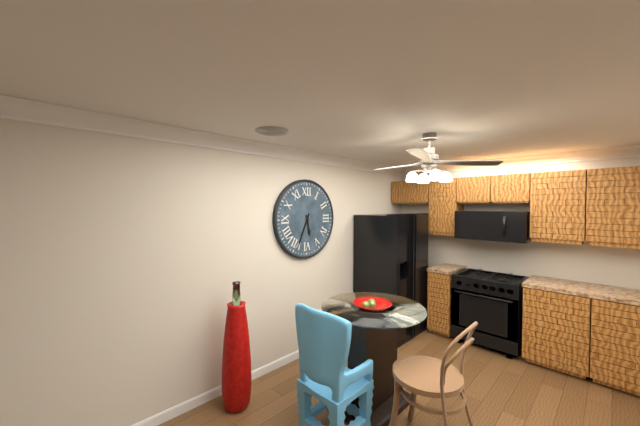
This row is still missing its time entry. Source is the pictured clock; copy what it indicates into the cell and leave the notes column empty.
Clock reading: 5:34
